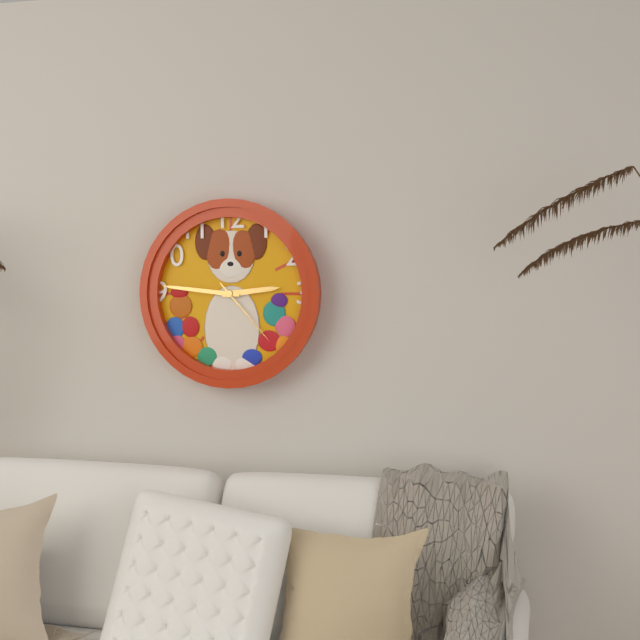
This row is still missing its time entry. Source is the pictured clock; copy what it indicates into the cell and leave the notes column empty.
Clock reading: 2:46:23
